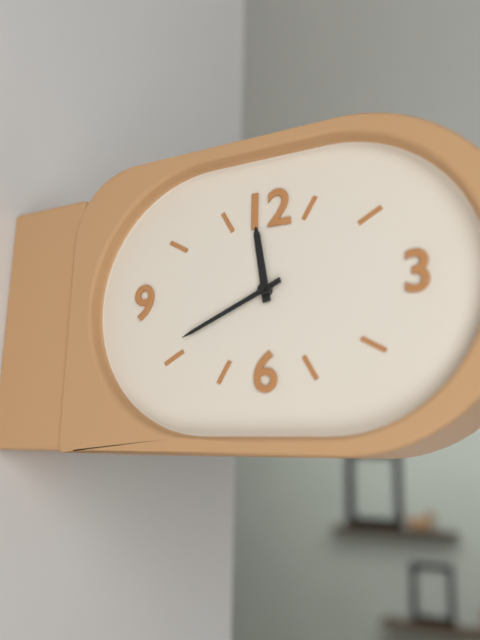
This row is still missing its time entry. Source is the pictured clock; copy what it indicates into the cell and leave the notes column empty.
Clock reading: 11:41
